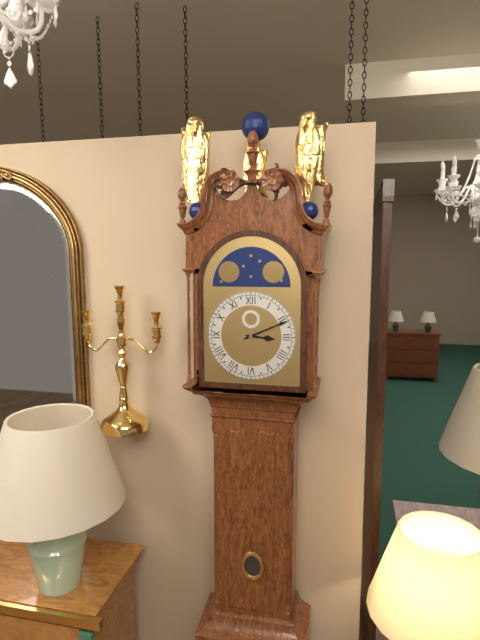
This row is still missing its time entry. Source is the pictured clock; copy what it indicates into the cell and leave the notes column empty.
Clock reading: 3:11
